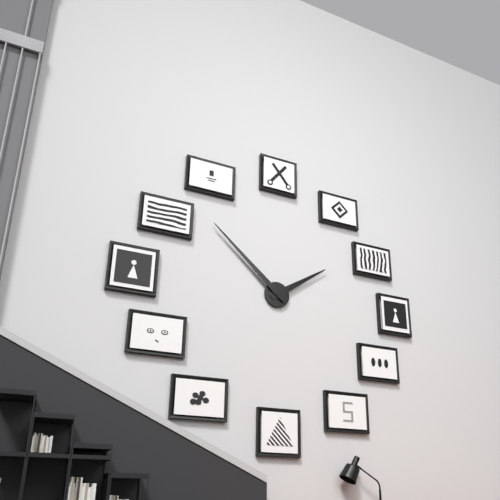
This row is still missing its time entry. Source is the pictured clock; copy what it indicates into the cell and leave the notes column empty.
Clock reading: 1:52
